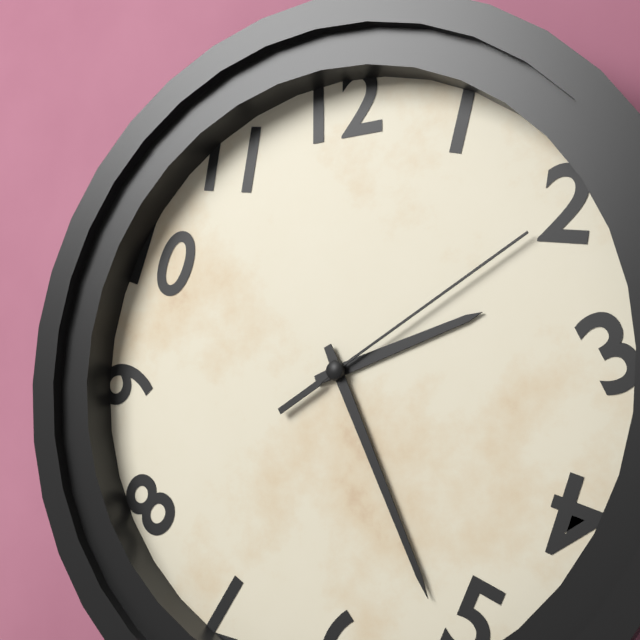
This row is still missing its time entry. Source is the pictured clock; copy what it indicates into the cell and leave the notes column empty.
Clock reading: 2:26:10
